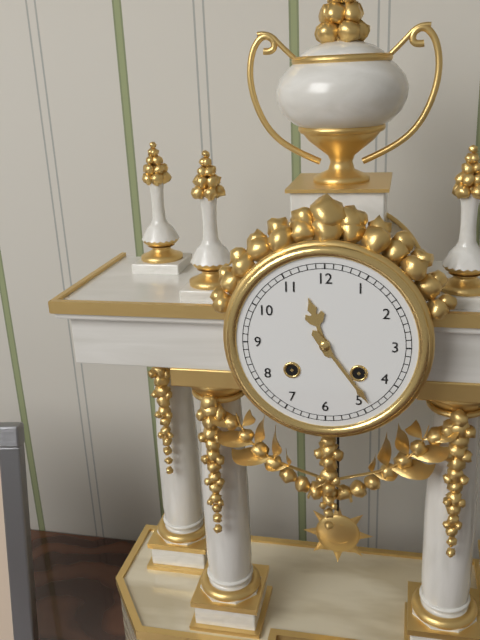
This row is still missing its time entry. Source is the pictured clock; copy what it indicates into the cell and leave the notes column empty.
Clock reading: 11:24
